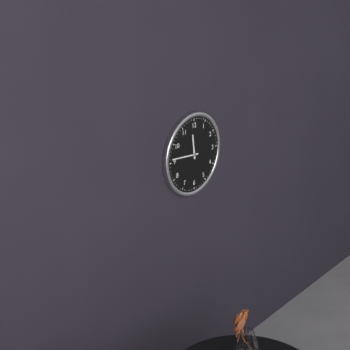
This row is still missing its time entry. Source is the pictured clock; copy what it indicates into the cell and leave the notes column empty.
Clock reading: 11:46
